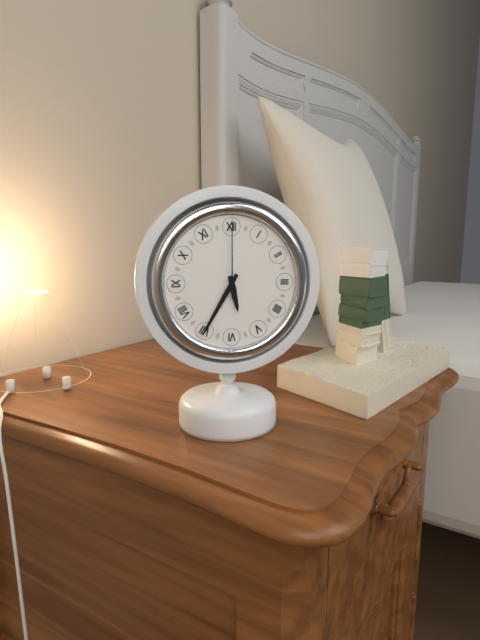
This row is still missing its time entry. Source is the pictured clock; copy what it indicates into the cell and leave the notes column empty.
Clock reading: 5:35:00
